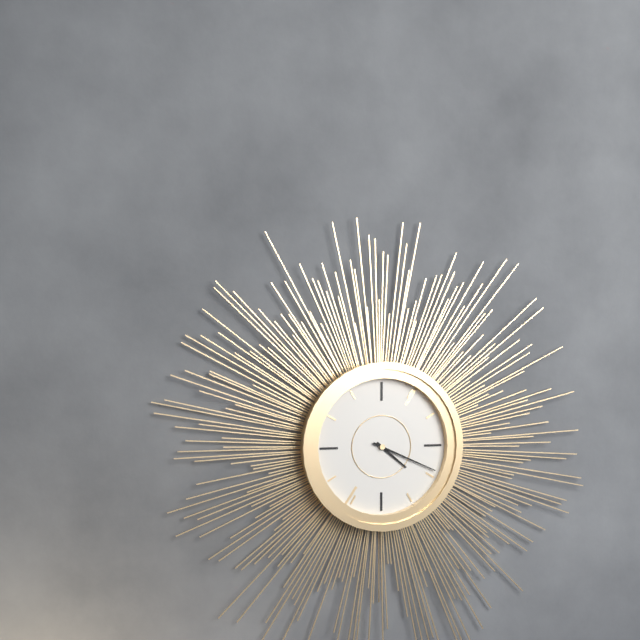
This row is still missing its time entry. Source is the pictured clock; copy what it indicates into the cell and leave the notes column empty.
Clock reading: 4:19
